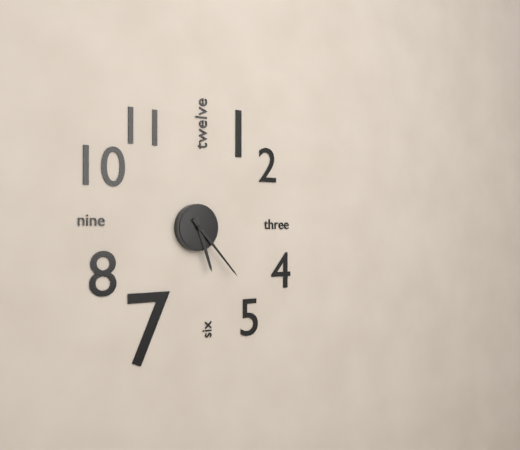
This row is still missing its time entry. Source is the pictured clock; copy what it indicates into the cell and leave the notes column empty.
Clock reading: 5:23
